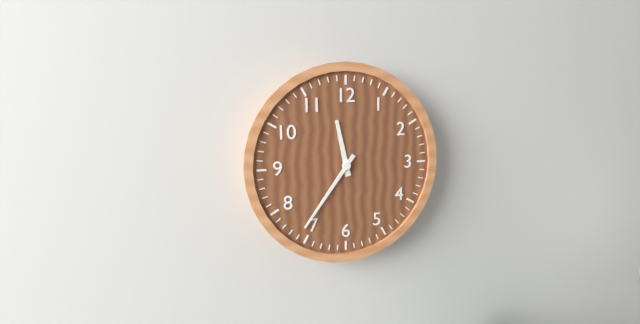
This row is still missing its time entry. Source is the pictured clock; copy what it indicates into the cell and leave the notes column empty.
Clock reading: 11:36
